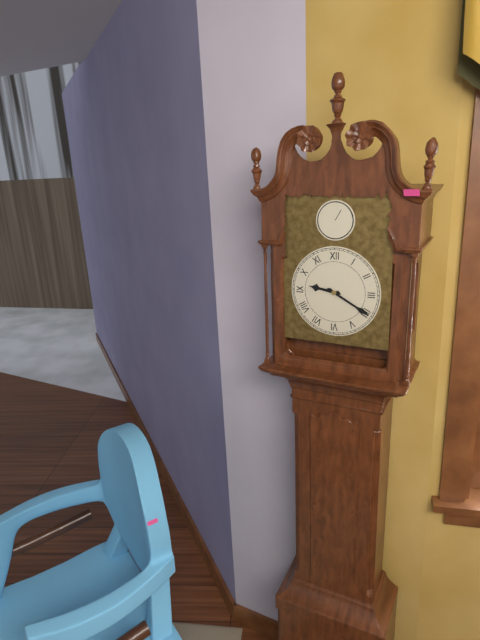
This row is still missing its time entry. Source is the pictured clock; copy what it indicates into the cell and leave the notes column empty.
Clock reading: 9:20
